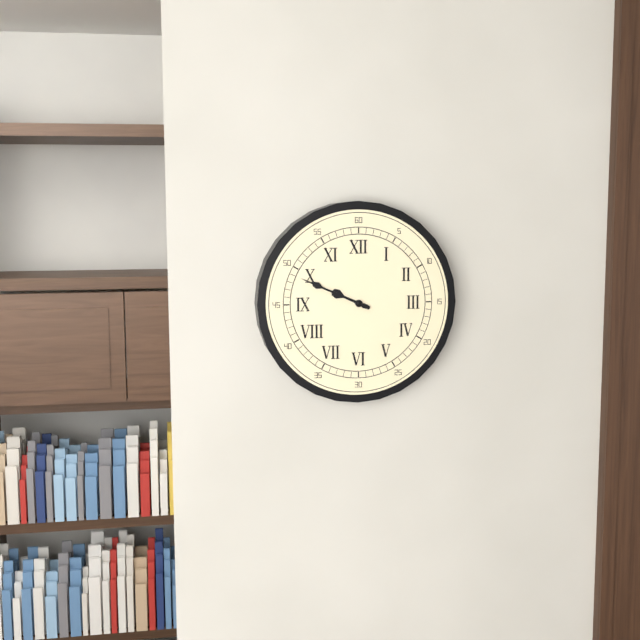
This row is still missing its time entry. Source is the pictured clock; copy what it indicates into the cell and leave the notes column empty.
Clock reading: 9:49
